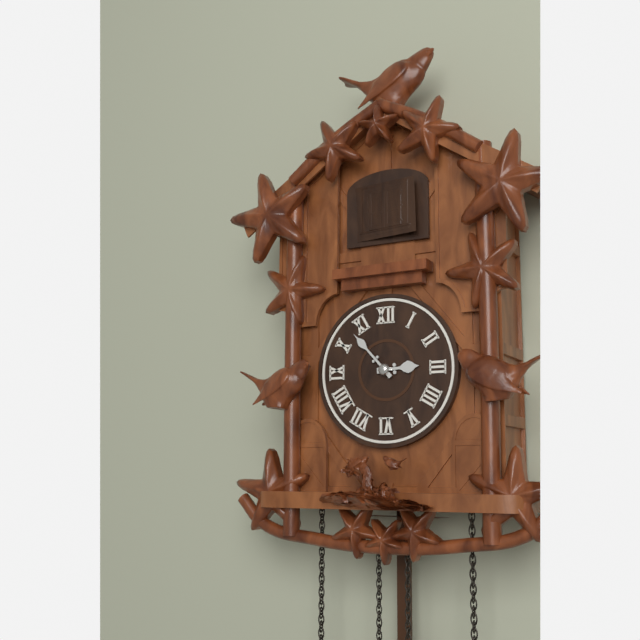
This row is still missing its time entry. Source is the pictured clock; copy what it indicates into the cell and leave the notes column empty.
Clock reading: 2:53
